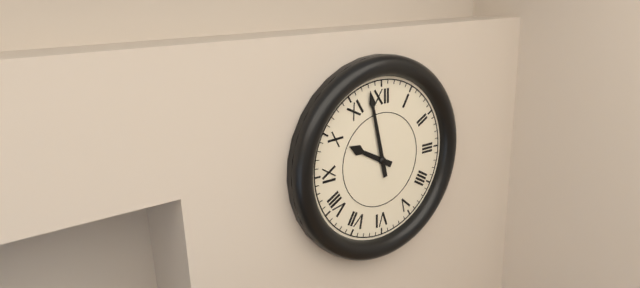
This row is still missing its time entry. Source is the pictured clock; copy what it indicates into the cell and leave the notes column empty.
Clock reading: 9:58
